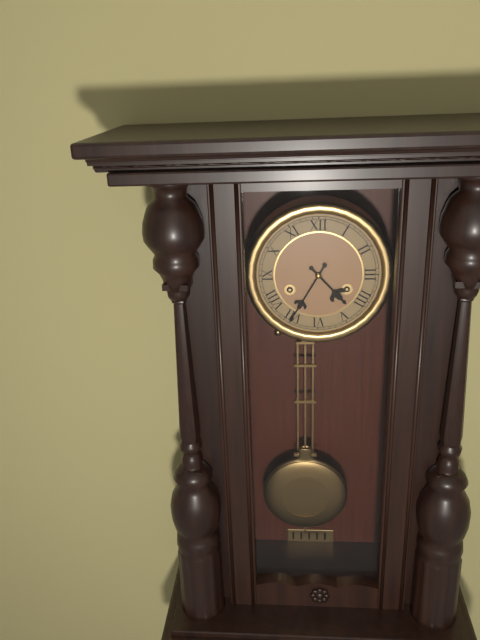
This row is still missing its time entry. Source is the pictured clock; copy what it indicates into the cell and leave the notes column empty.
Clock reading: 4:35
